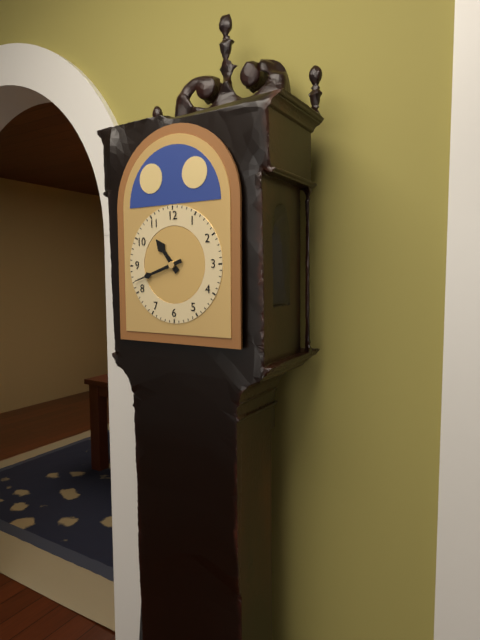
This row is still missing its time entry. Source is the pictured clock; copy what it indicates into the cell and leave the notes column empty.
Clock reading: 10:42
